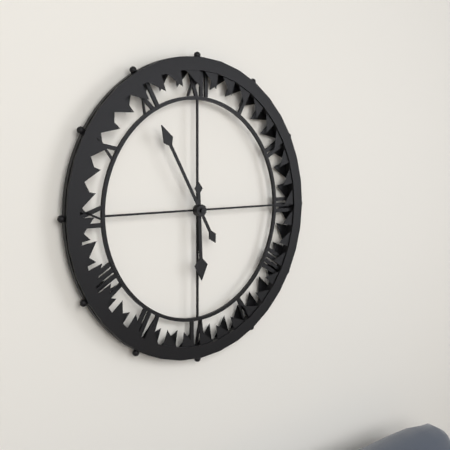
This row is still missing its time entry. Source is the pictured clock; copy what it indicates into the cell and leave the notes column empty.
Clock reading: 5:55
